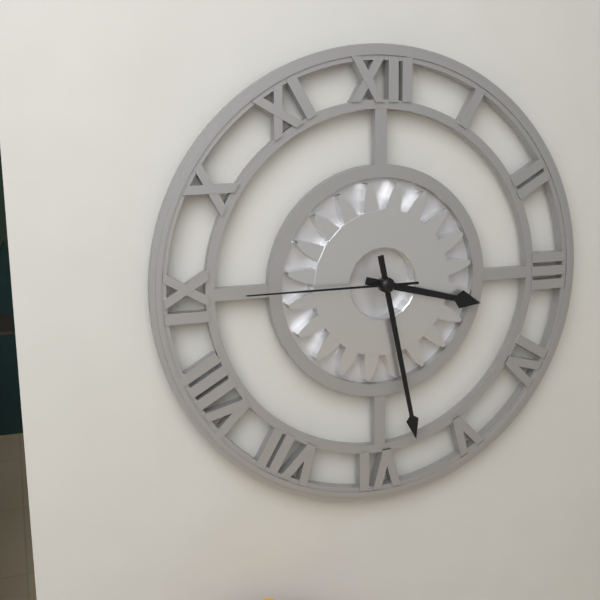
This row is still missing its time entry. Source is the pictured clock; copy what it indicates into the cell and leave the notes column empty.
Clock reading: 3:28:45
